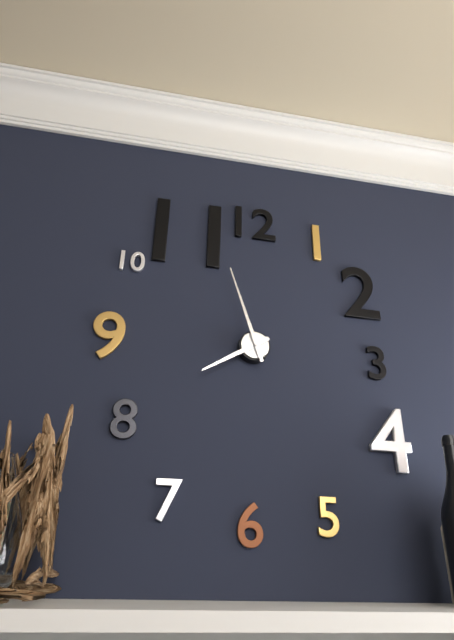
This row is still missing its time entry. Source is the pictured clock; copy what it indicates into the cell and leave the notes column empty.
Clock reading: 7:57
